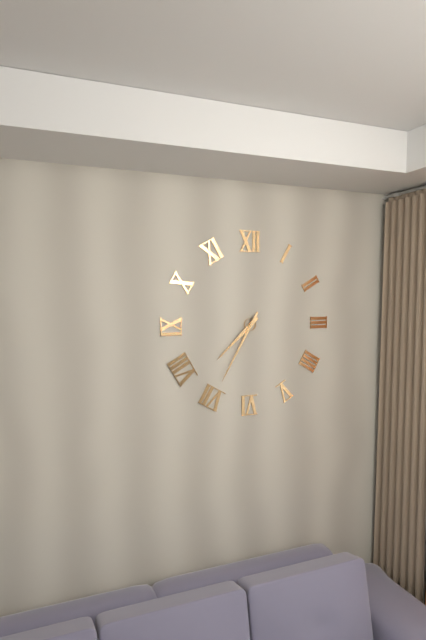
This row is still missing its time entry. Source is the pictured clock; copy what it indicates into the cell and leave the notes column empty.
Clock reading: 7:35
